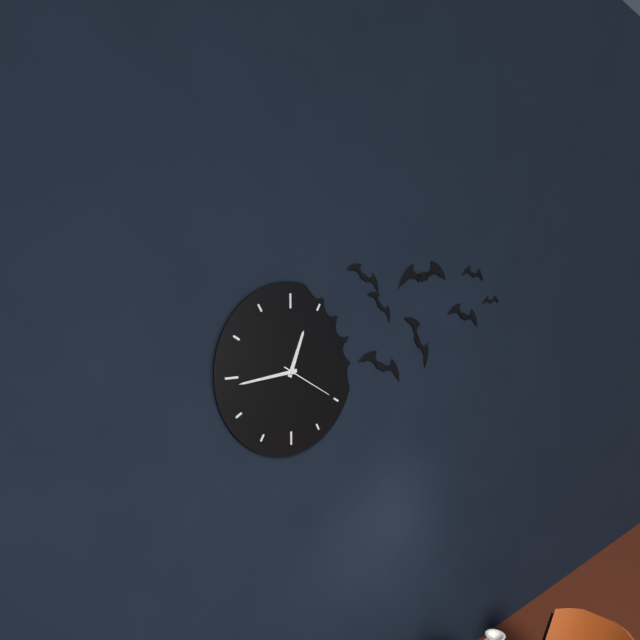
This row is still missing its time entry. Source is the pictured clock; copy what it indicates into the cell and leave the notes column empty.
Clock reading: 12:44:20
